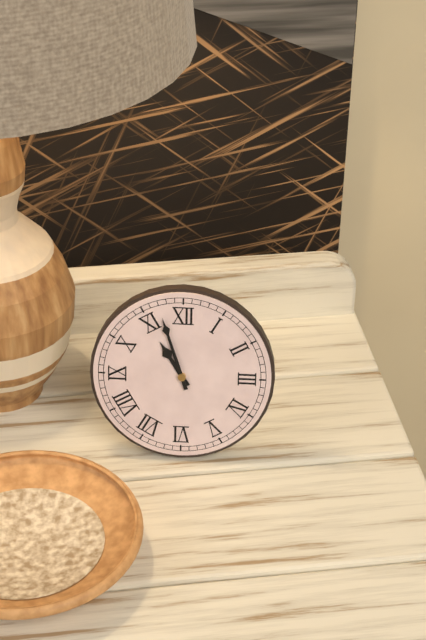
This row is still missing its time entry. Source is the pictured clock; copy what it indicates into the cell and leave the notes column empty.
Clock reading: 10:57
